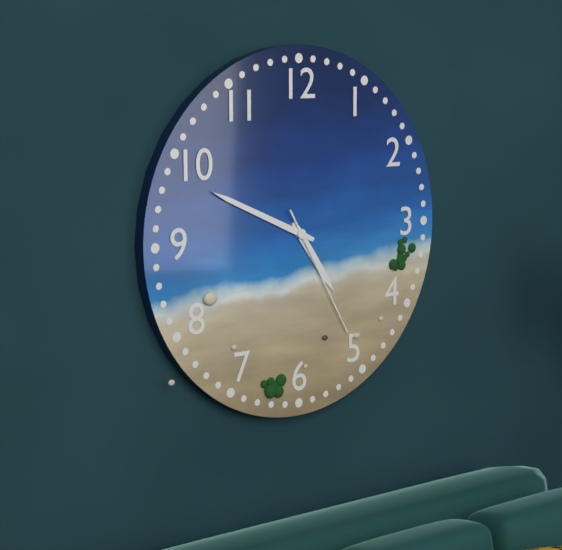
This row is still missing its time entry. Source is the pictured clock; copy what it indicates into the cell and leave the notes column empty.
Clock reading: 4:49:25
